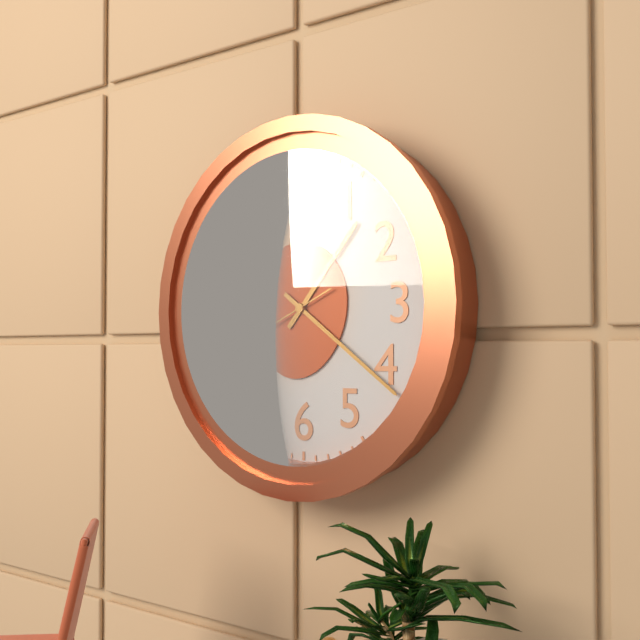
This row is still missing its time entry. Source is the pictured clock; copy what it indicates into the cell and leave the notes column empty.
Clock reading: 1:21:41
